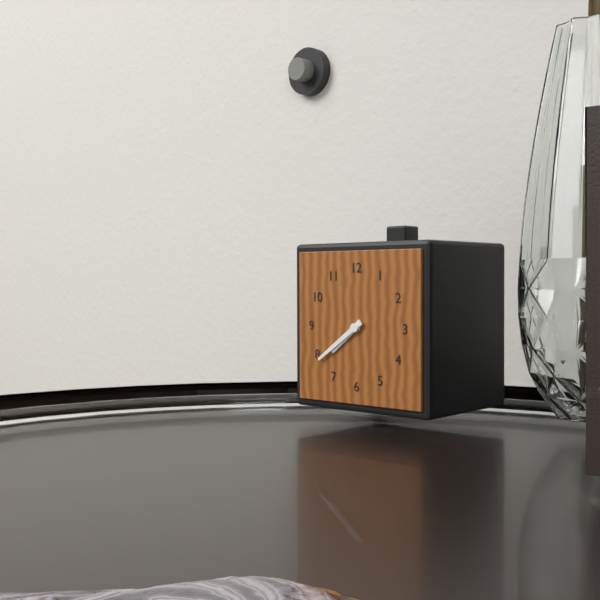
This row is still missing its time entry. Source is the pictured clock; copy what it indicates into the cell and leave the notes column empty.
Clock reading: 7:39
